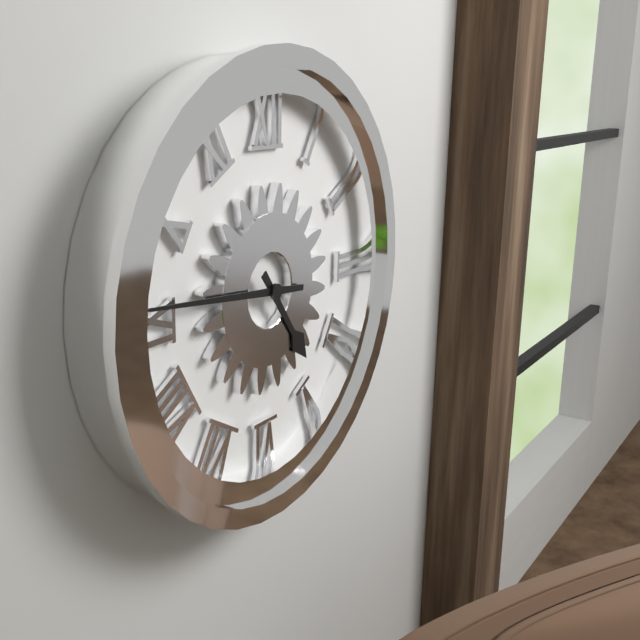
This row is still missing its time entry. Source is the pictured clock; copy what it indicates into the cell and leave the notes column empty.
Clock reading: 4:46
